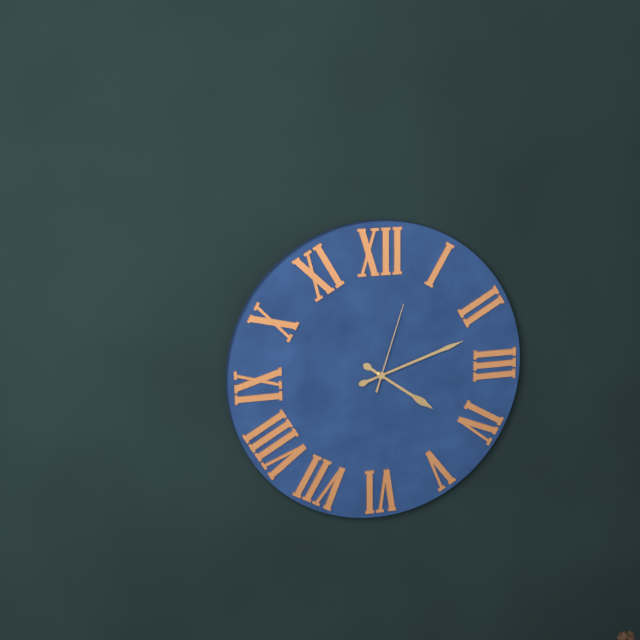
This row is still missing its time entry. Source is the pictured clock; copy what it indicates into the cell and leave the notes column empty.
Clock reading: 4:12:03
